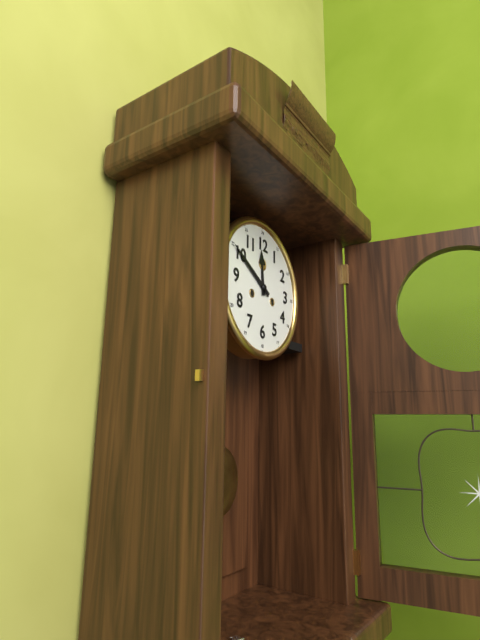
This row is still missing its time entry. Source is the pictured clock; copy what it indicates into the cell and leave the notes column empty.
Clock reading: 11:50
